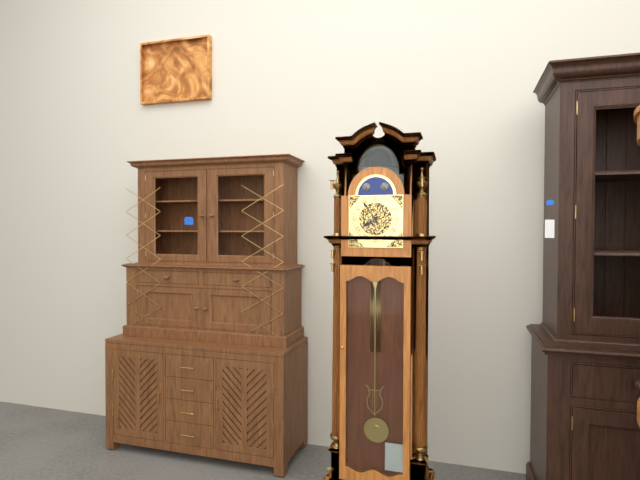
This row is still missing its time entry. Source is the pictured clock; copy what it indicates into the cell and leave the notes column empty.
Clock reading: 7:54
